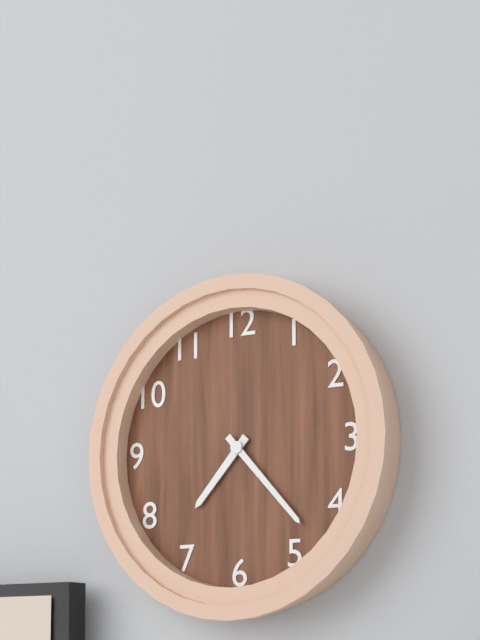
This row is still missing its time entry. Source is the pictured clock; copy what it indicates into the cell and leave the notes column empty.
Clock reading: 7:23
